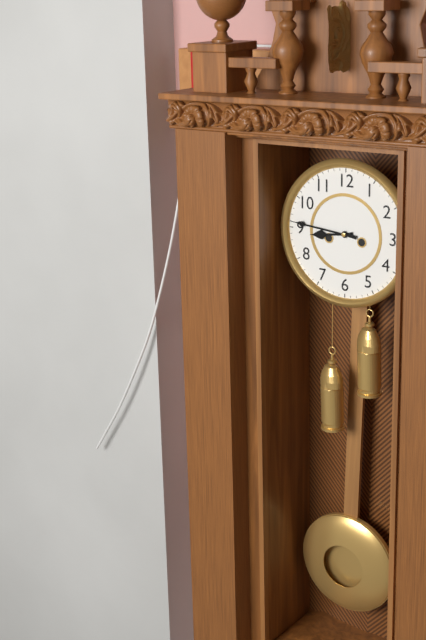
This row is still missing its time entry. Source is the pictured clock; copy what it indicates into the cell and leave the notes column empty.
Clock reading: 8:46
